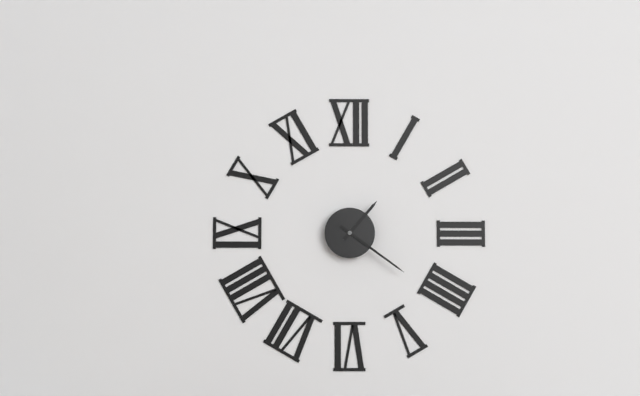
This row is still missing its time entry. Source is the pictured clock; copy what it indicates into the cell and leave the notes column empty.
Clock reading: 1:21
